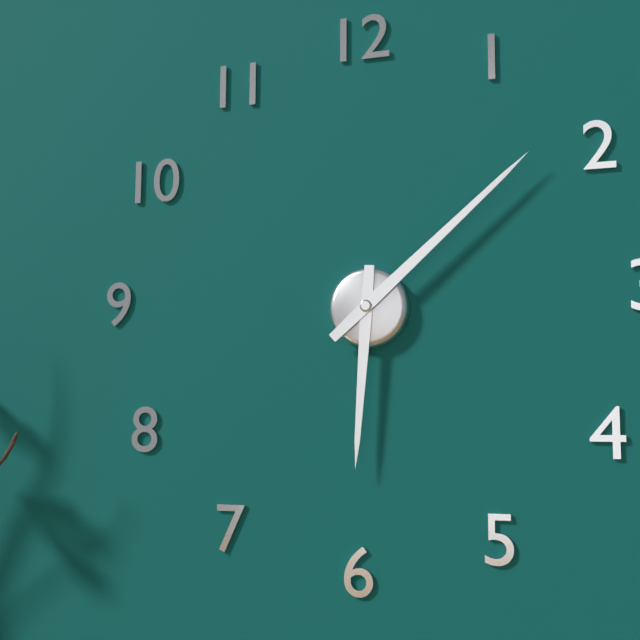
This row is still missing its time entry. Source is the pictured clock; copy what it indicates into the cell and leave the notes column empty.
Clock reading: 6:08
